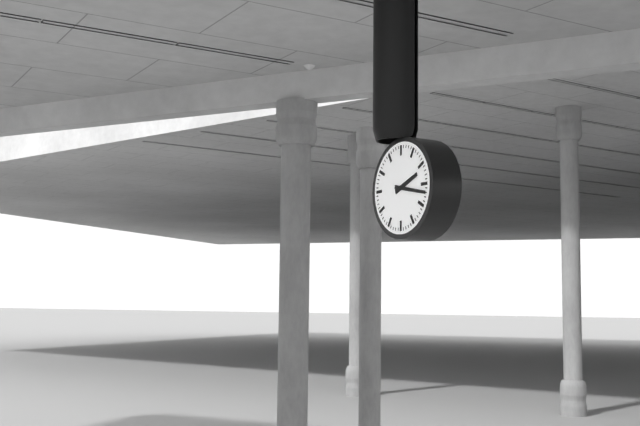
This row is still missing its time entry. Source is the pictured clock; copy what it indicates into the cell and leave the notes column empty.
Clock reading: 2:17
